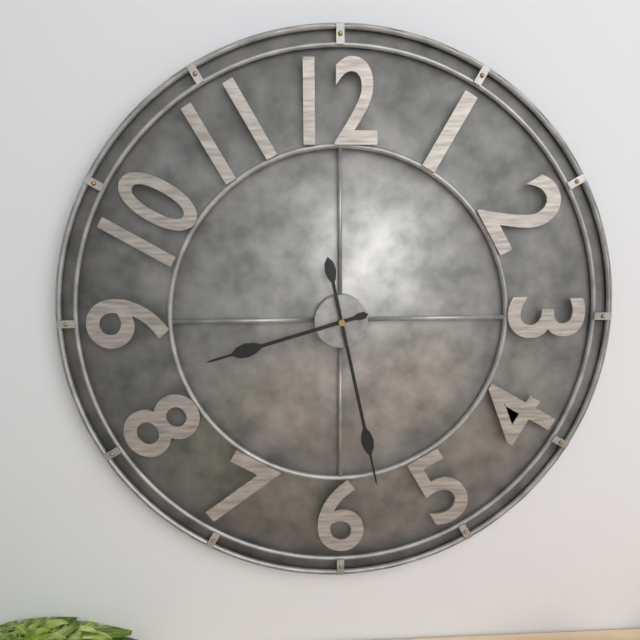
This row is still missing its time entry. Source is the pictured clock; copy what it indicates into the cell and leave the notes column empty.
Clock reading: 8:28
